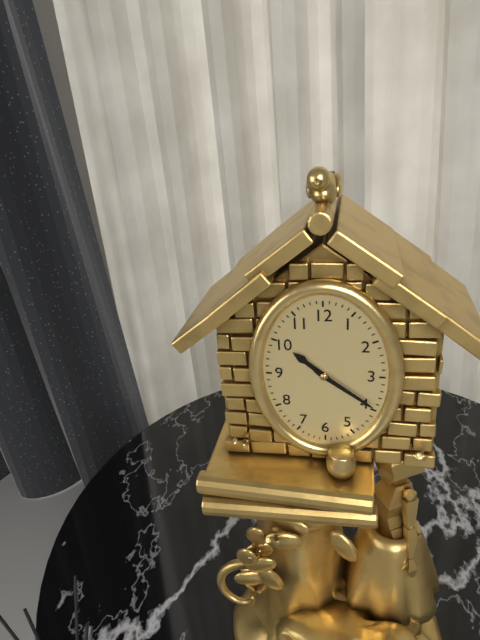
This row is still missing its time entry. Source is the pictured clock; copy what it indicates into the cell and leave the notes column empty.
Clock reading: 10:21
